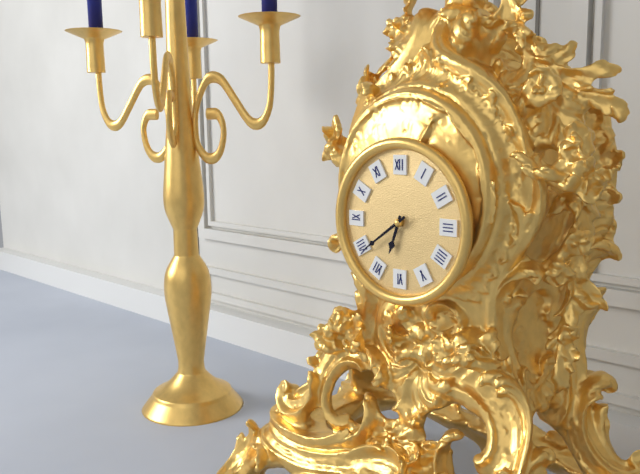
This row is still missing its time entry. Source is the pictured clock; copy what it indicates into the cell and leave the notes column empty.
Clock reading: 6:39
